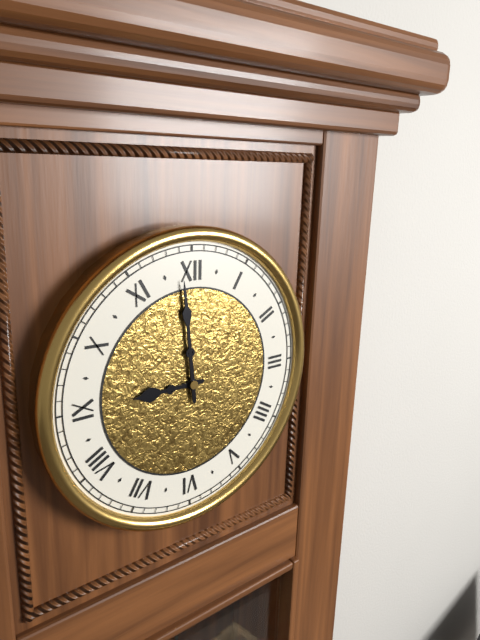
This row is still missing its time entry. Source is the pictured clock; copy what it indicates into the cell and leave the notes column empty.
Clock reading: 8:59
